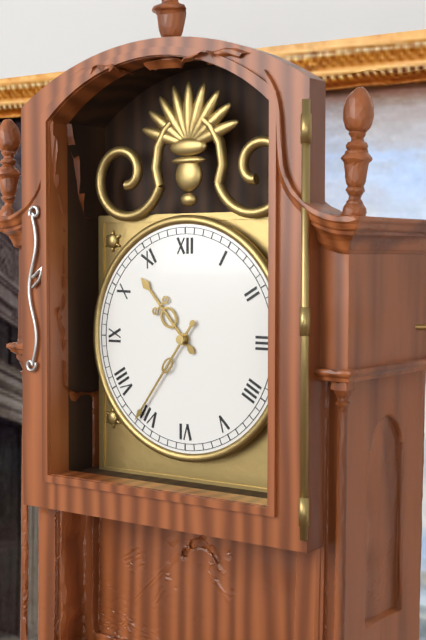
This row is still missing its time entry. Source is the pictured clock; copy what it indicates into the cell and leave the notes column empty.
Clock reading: 10:36
